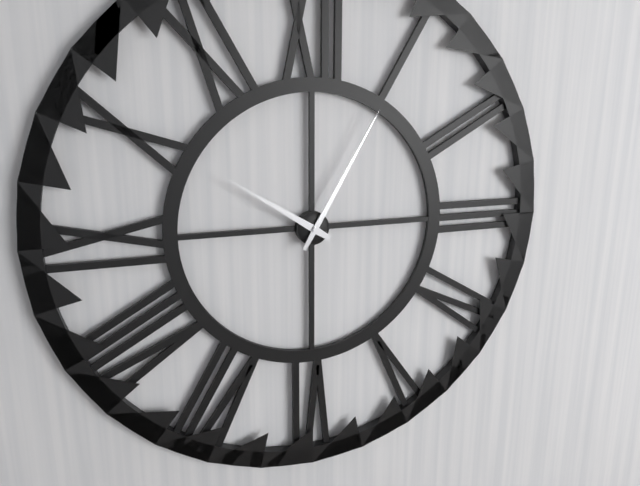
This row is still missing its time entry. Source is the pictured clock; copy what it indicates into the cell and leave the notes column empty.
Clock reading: 10:05
